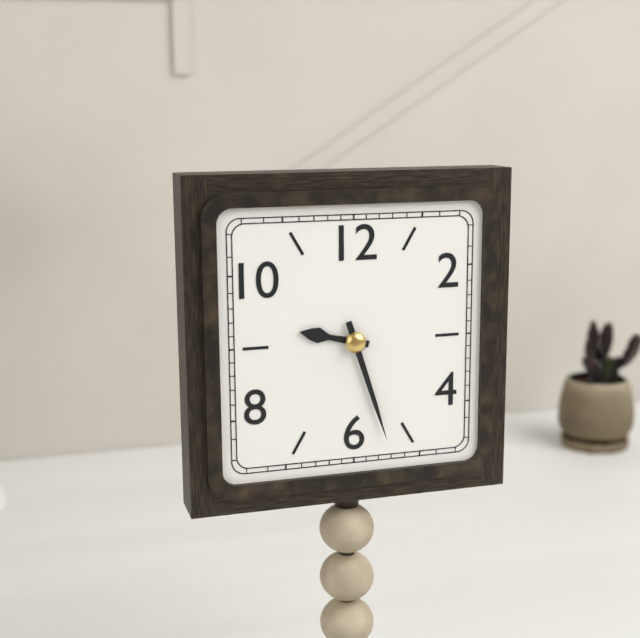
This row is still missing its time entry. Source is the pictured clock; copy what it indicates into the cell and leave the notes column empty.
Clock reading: 9:27
